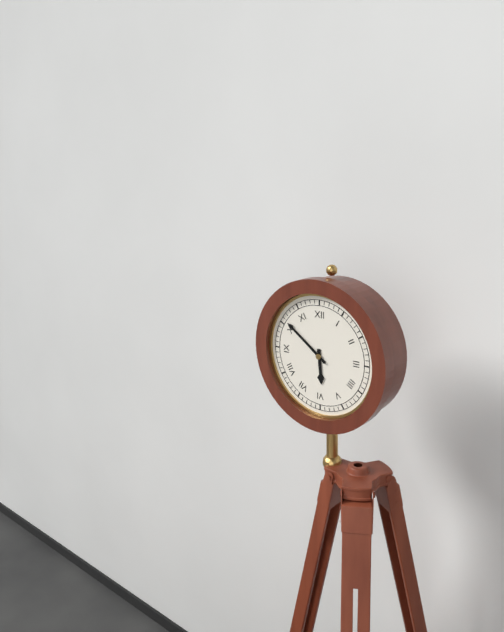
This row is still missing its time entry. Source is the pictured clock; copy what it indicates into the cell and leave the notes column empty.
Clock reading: 5:51
